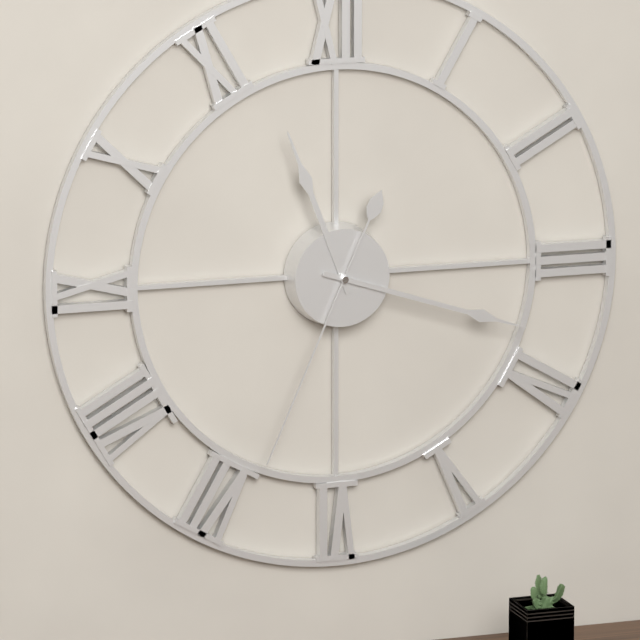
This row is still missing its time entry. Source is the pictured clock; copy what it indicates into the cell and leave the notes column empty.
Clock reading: 11:18:34
